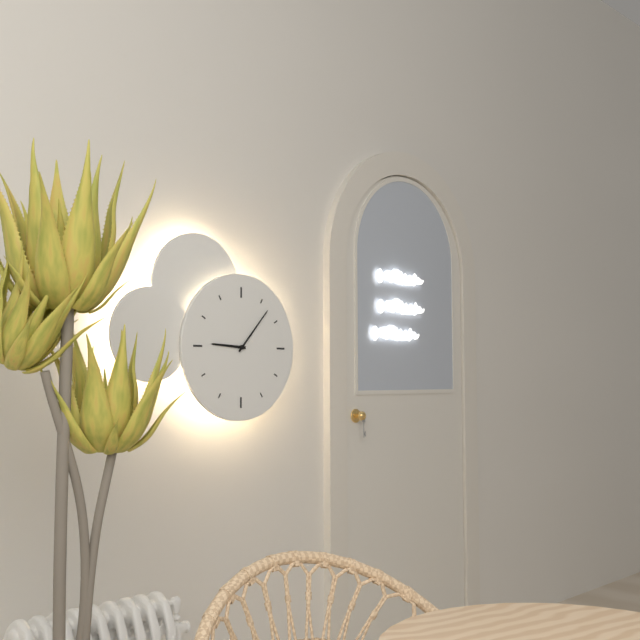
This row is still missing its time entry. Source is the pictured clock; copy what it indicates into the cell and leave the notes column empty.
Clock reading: 9:07
